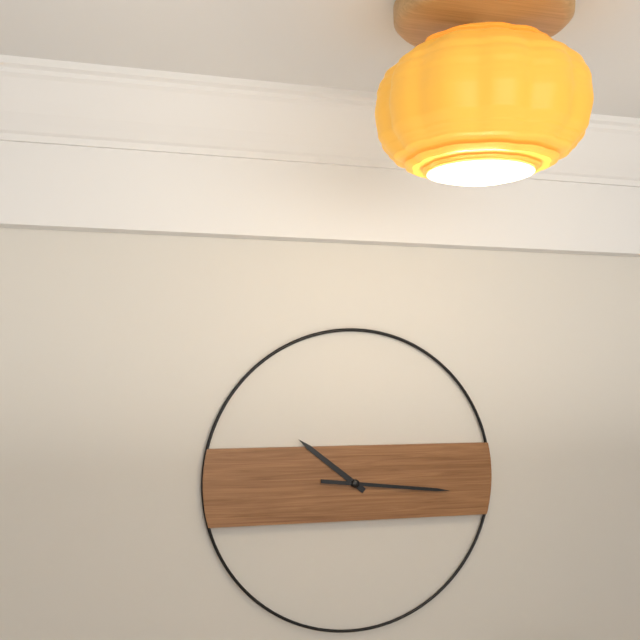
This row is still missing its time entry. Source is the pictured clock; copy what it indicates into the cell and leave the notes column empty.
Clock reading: 10:16
